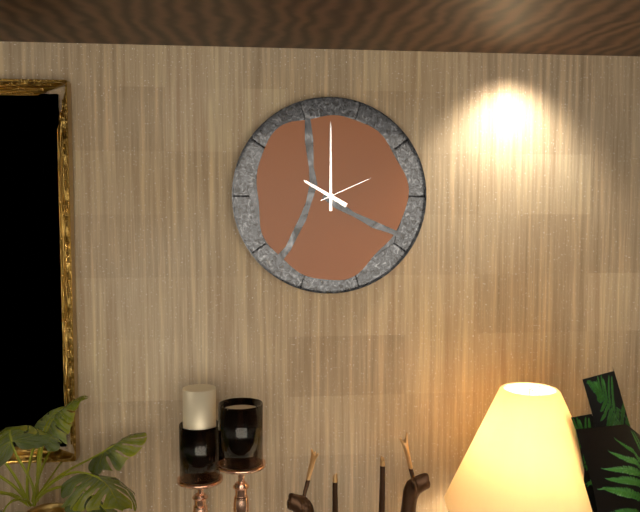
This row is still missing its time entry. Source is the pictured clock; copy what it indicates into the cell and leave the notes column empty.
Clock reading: 10:00:11
